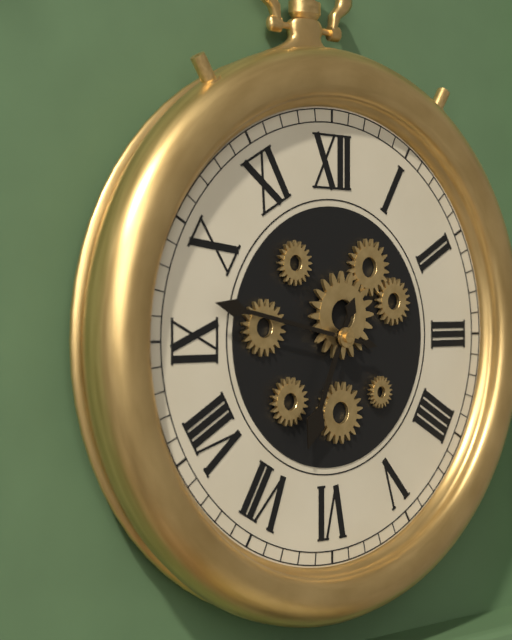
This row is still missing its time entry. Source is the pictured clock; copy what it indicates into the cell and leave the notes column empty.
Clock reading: 6:47
